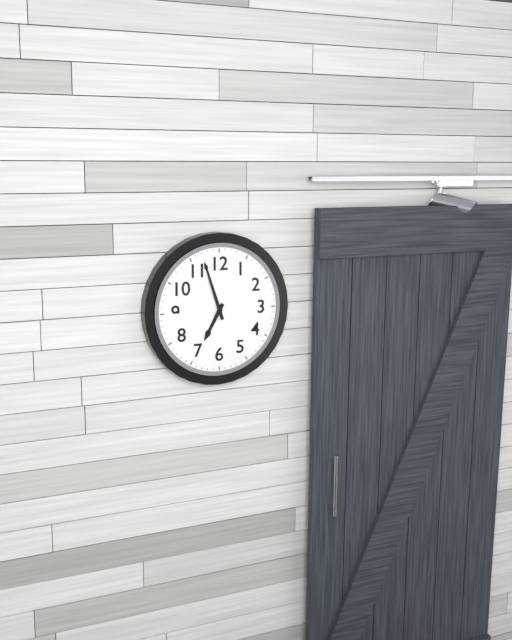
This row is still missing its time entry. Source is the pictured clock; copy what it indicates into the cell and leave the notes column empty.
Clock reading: 6:57
